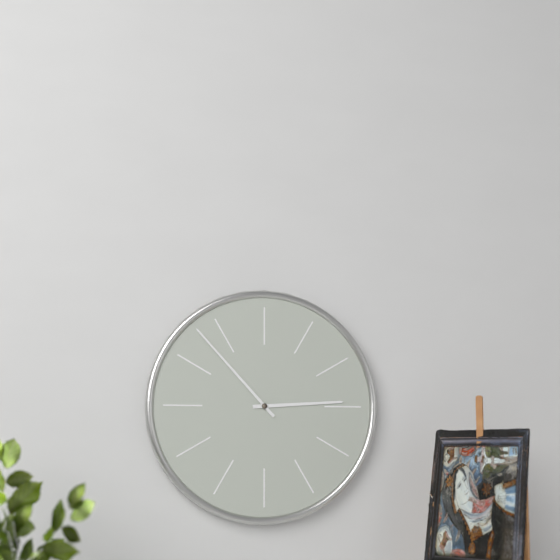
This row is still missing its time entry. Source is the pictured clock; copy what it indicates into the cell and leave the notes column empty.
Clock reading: 2:53
